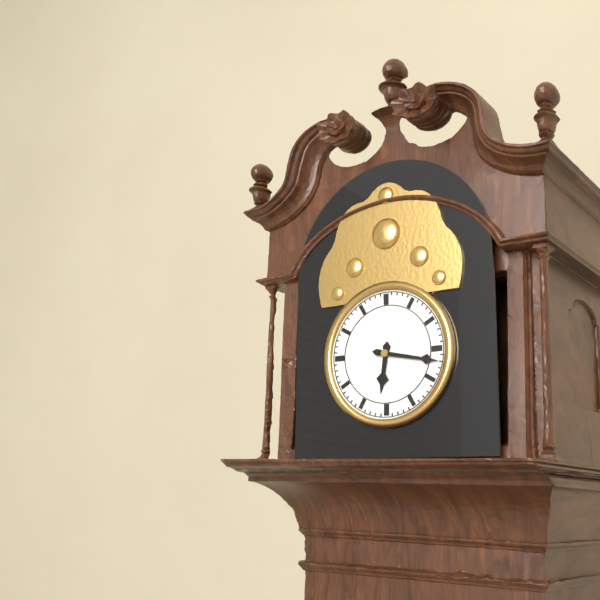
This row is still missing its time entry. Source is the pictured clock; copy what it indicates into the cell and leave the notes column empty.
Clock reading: 6:17
